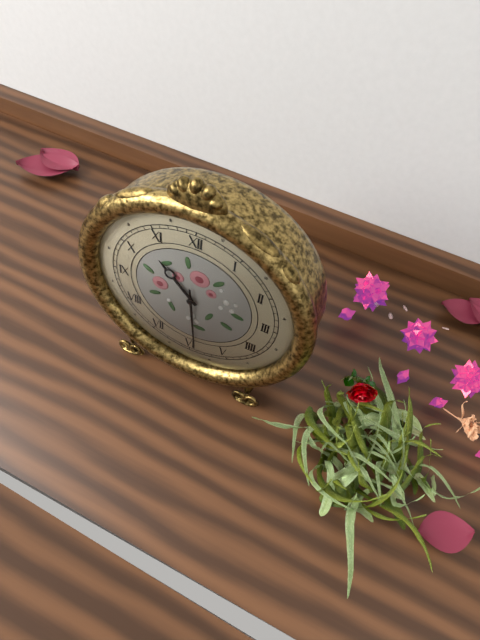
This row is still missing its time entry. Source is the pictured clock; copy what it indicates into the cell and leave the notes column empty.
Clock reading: 10:29
